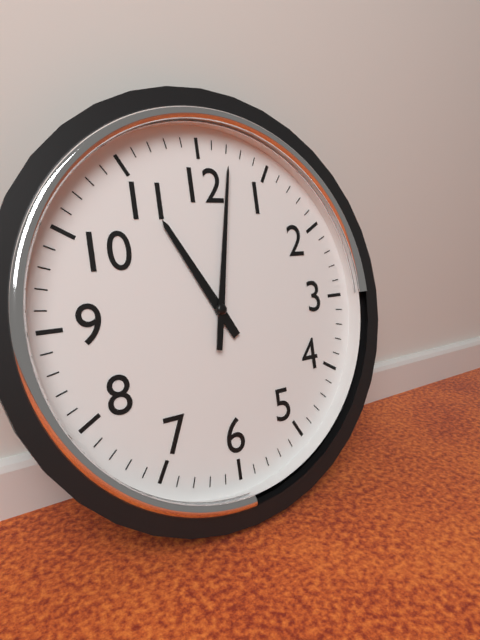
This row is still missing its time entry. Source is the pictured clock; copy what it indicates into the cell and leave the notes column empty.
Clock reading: 11:02
